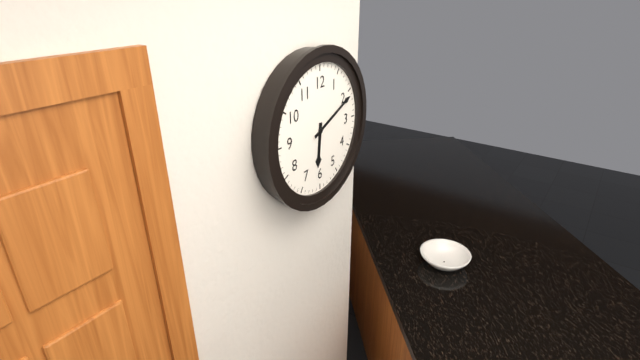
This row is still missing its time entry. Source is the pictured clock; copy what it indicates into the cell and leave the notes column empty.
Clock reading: 6:11
